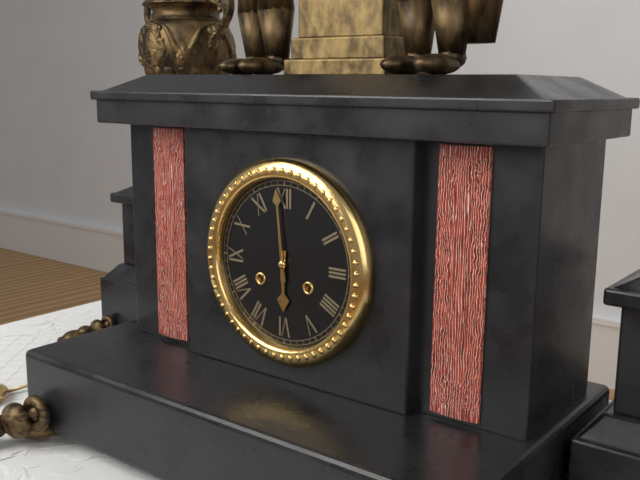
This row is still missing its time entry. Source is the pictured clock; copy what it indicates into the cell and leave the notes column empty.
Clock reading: 5:59
